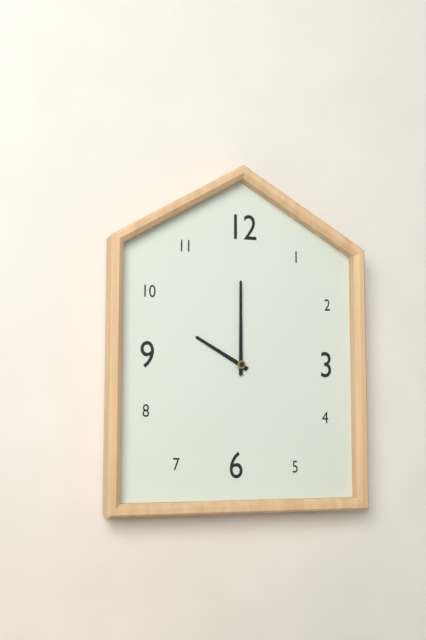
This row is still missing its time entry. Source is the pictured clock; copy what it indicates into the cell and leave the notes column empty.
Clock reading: 10:00
